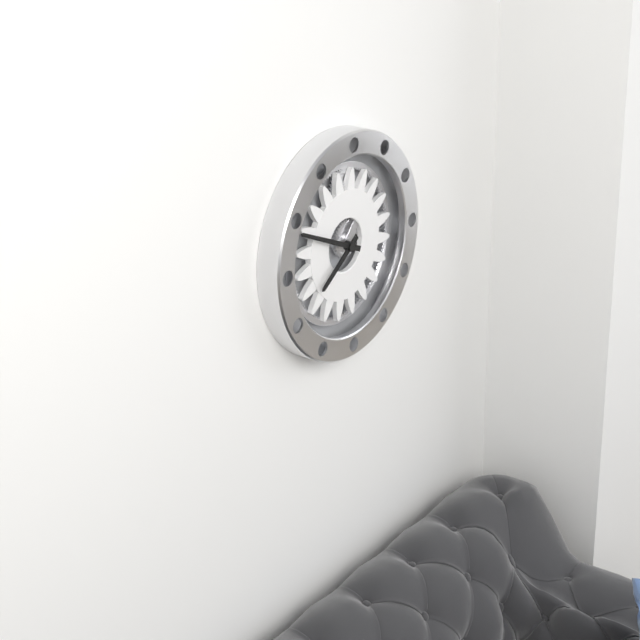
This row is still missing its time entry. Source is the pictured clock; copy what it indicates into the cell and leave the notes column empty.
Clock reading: 7:49
